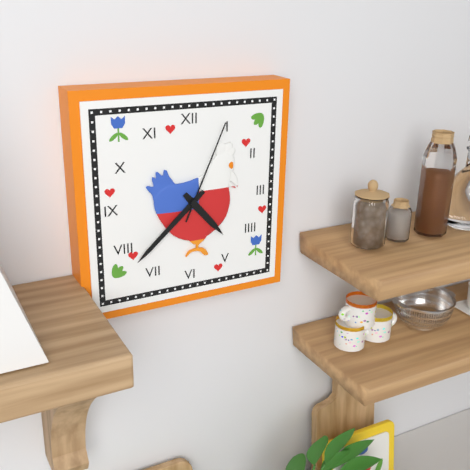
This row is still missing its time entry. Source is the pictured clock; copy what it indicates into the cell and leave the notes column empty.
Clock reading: 4:38:04
